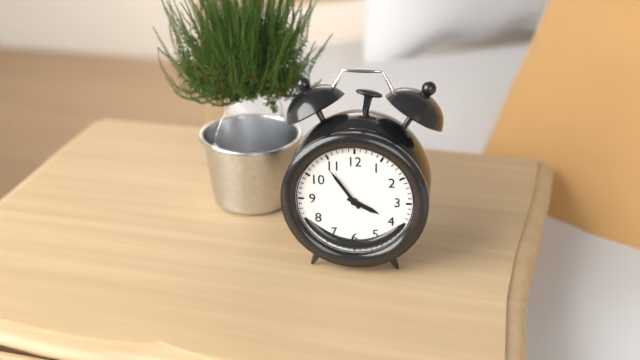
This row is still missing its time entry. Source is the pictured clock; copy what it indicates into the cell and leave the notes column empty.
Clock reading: 3:54
